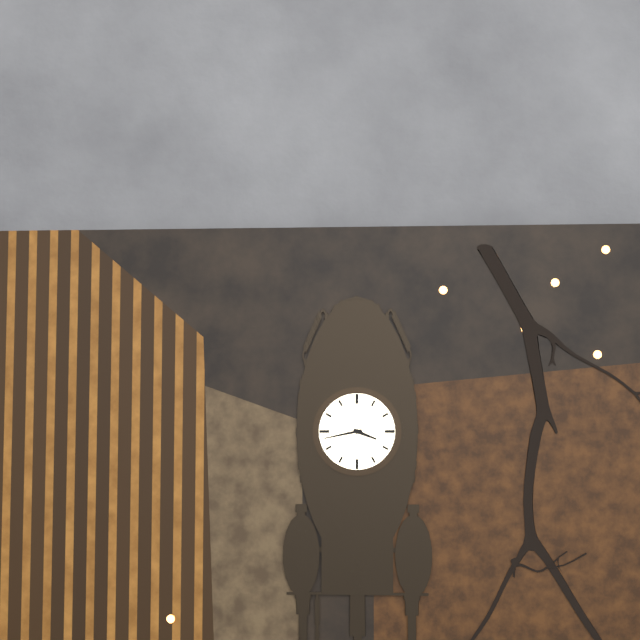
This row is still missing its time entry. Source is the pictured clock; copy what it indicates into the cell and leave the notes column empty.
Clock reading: 3:43
